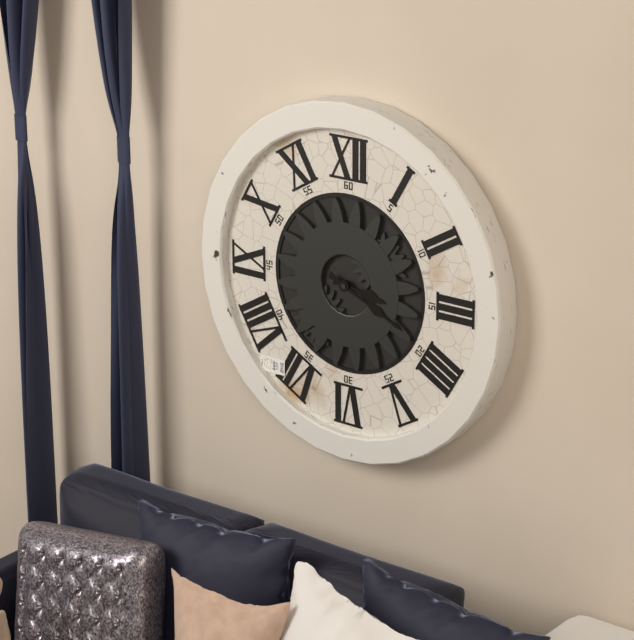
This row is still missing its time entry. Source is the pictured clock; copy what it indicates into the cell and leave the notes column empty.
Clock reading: 3:19
